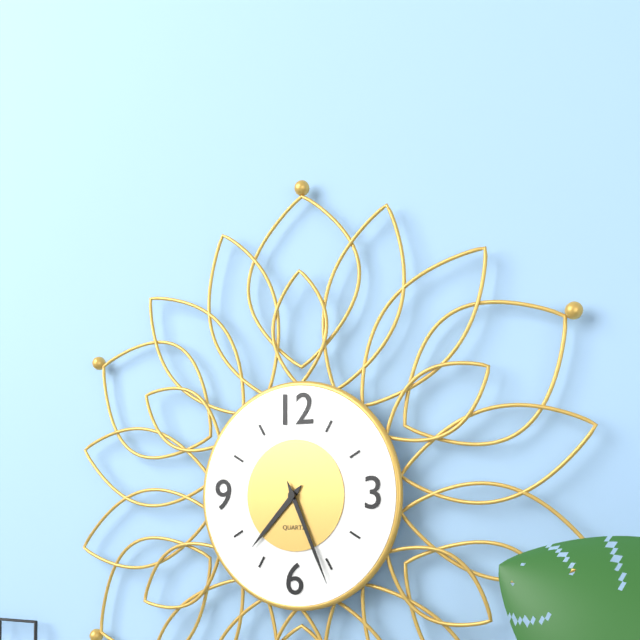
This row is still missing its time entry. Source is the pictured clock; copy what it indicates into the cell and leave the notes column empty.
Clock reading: 7:26
